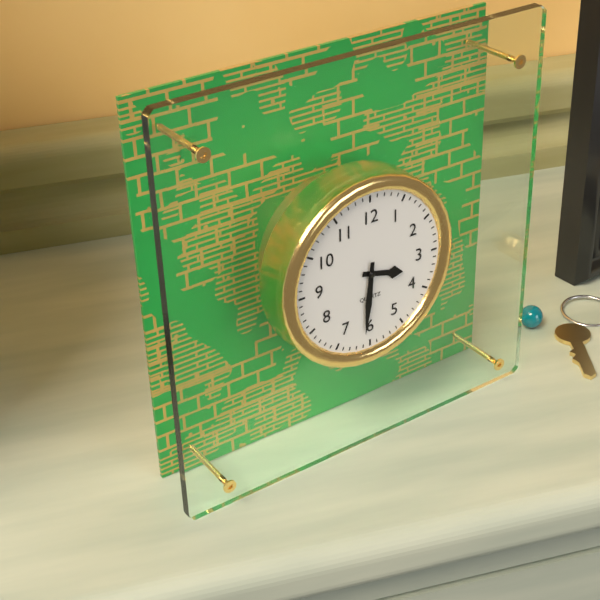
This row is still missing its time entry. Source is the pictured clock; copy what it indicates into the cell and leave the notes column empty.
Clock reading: 3:31
